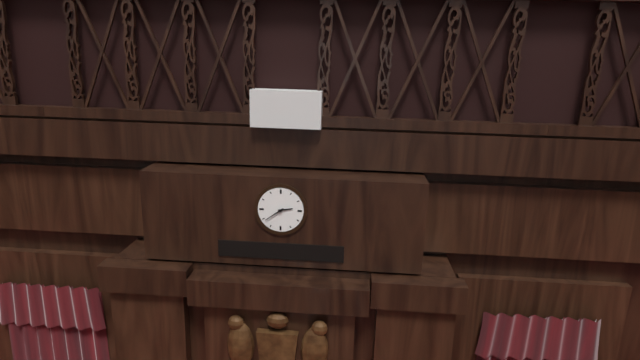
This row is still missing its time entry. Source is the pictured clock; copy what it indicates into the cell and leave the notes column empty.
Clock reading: 2:39
